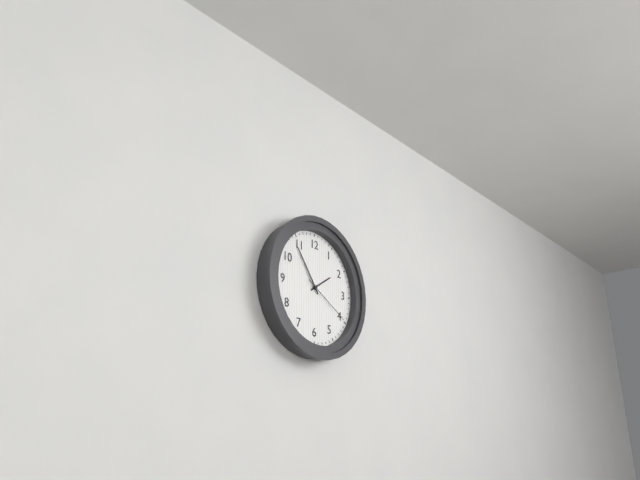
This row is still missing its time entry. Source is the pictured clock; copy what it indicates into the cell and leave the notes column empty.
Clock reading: 1:54:20
